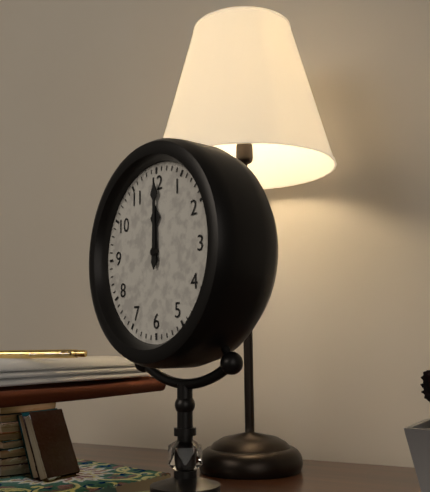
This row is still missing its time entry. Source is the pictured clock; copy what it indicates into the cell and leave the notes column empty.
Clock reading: 12:00
